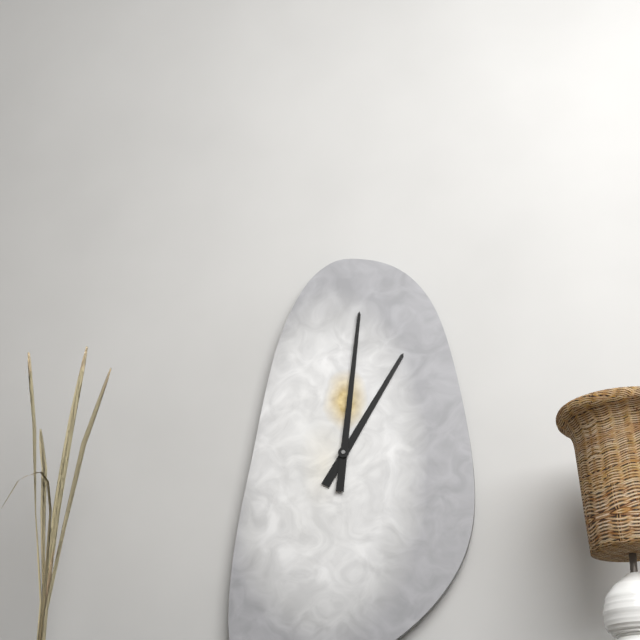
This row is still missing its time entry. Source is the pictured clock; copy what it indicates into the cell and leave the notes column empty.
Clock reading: 1:01
